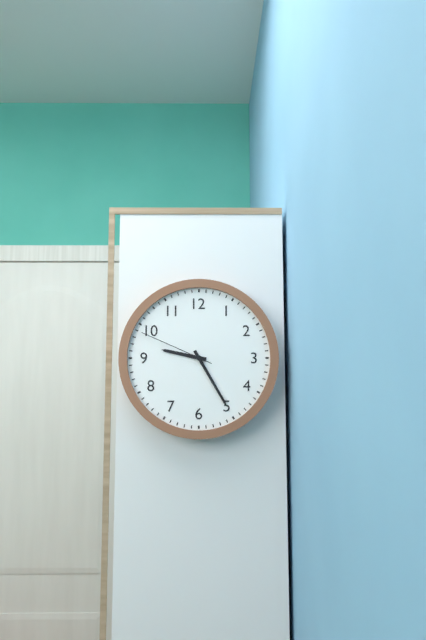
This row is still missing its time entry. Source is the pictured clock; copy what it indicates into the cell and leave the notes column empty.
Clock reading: 9:25:49
